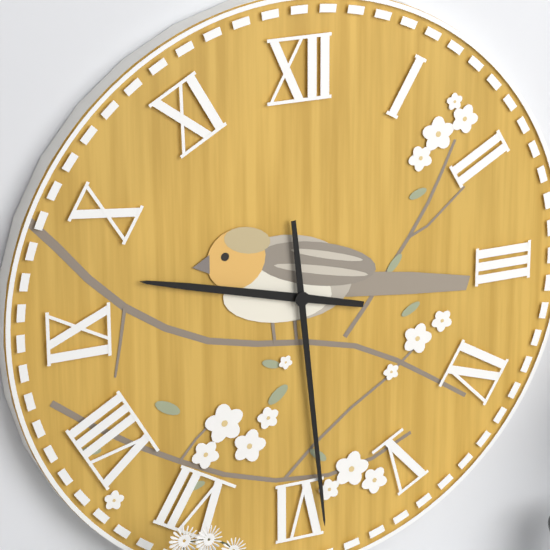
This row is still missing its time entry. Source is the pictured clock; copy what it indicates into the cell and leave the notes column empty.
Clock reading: 9:29
